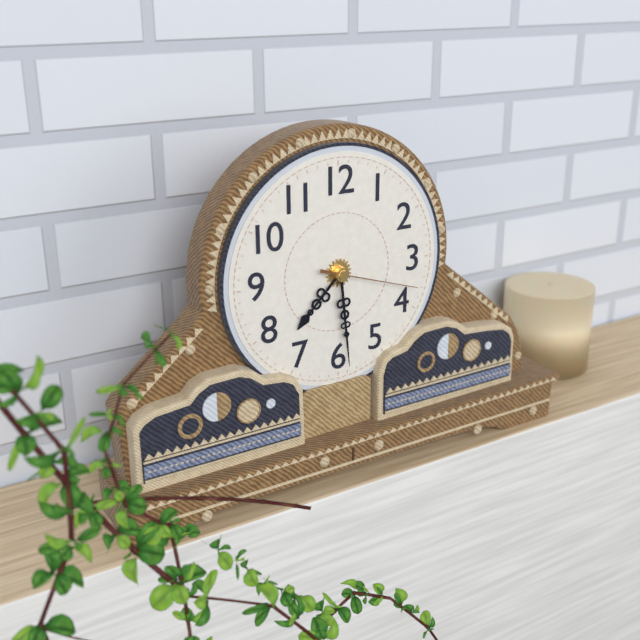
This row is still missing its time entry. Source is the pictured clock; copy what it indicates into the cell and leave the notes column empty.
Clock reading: 7:29:18
